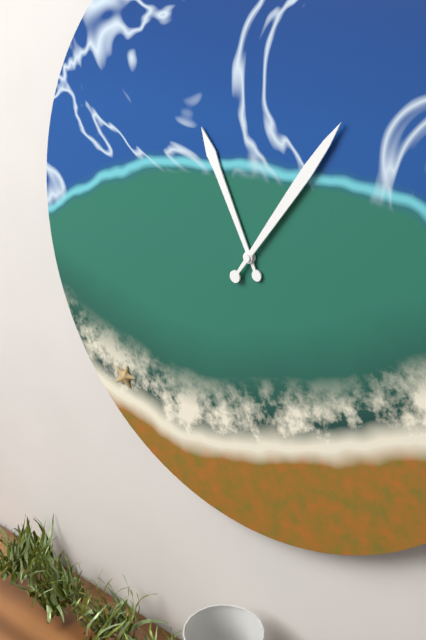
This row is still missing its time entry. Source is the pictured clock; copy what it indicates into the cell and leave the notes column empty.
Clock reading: 11:06
